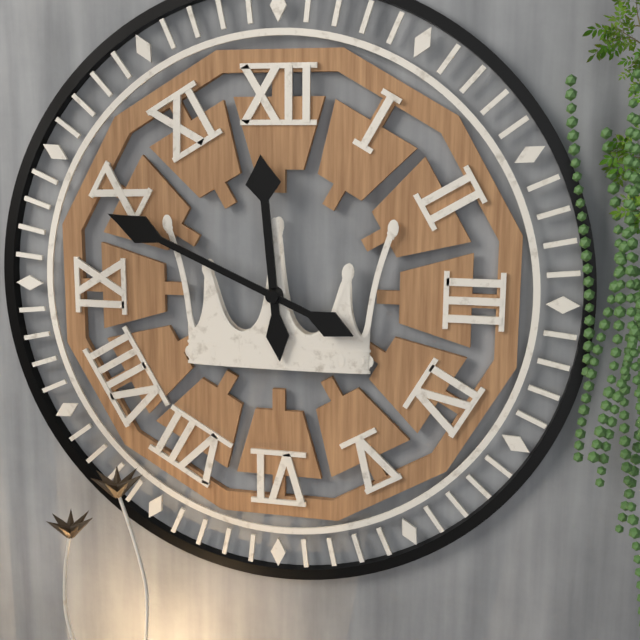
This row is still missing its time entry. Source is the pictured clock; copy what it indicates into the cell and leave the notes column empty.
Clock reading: 11:49
